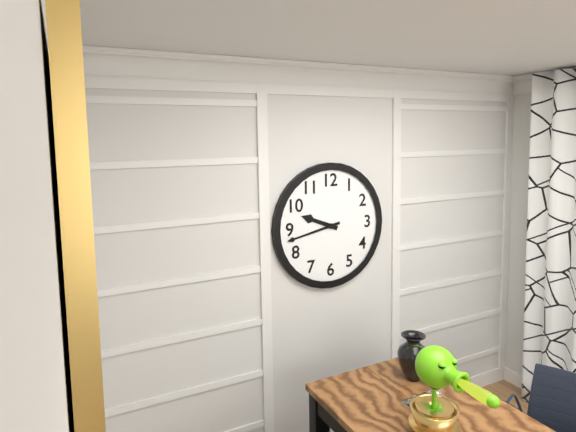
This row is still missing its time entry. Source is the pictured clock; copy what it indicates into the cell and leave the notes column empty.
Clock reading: 9:43
